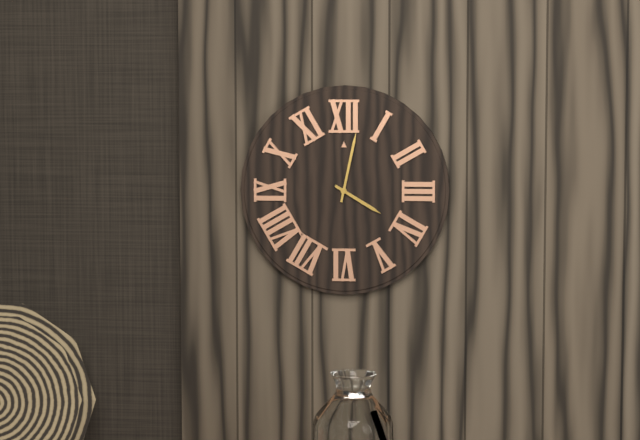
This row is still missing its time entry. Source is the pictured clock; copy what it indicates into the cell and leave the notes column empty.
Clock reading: 4:02
